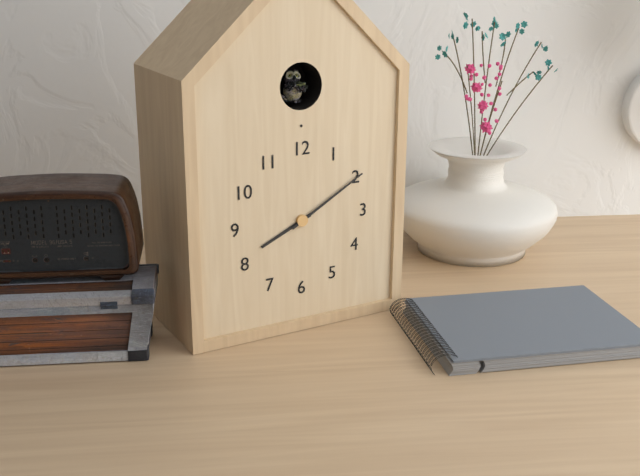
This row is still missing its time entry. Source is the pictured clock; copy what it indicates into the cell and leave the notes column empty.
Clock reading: 8:10
